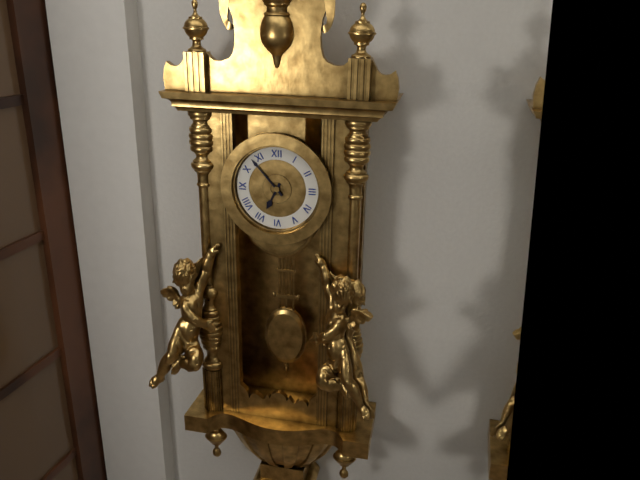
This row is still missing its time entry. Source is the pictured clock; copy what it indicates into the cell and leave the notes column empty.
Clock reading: 6:53
